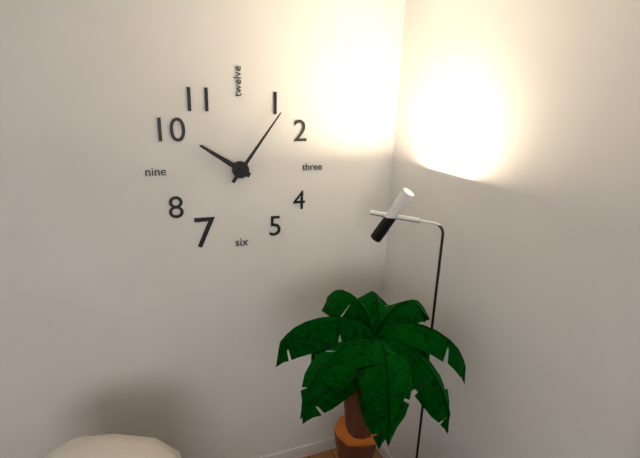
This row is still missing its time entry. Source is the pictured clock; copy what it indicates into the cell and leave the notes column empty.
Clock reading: 10:06
